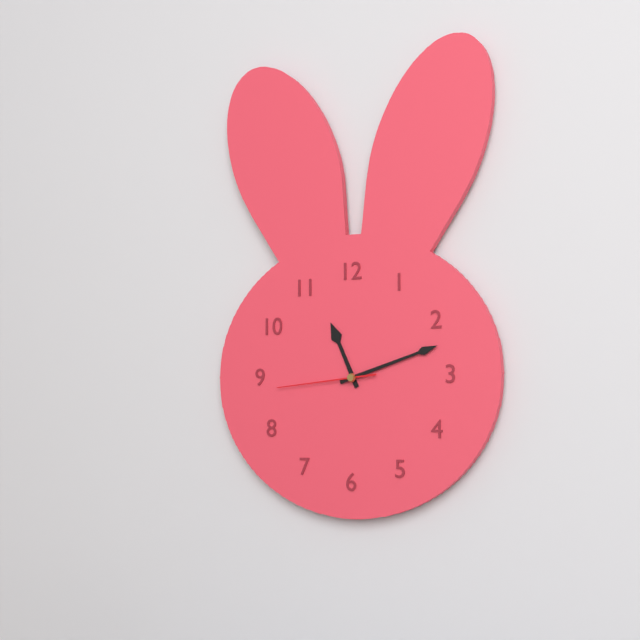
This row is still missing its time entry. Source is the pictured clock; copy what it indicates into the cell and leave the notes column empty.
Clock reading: 11:12:44
